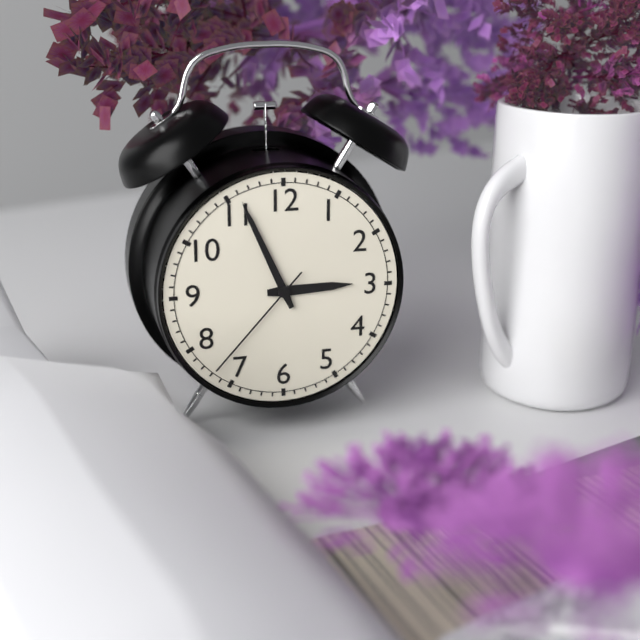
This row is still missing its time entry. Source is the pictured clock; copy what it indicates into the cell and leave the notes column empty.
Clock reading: 2:56:37
